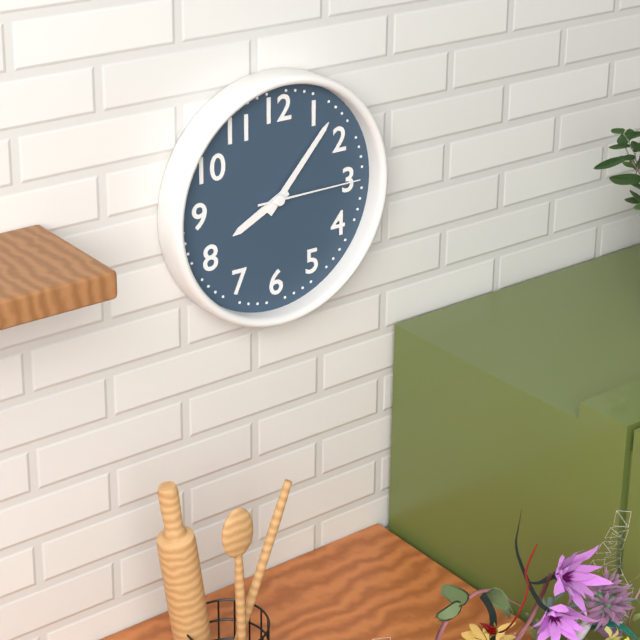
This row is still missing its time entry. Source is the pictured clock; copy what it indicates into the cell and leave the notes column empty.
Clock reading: 8:07:15
